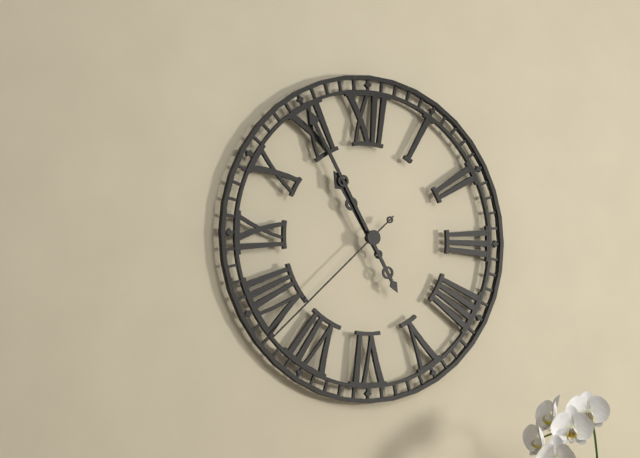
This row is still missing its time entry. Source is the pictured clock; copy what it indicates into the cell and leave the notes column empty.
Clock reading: 10:55:38
